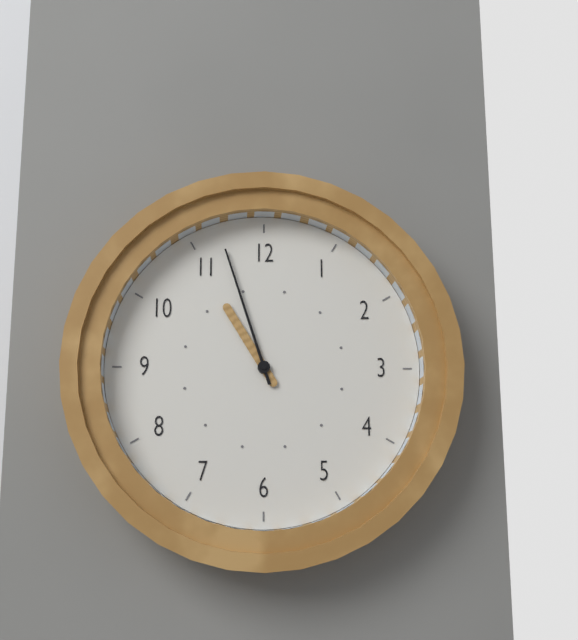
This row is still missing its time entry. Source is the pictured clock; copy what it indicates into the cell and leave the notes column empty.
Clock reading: 10:57
